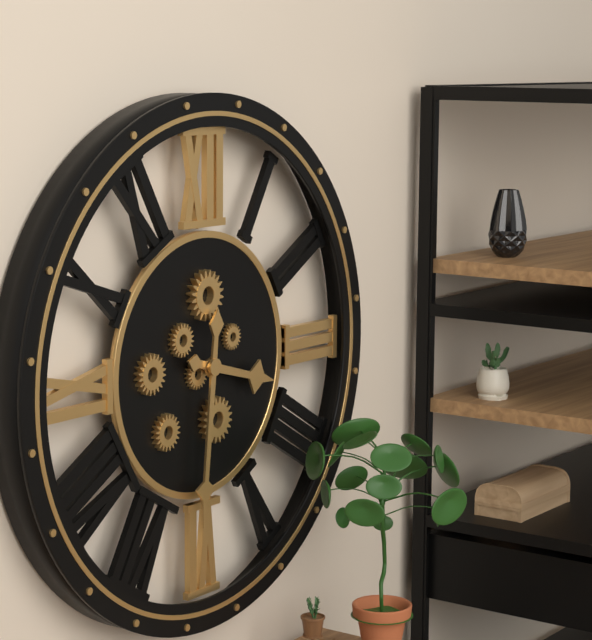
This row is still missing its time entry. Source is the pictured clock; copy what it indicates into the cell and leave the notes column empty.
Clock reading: 3:31
